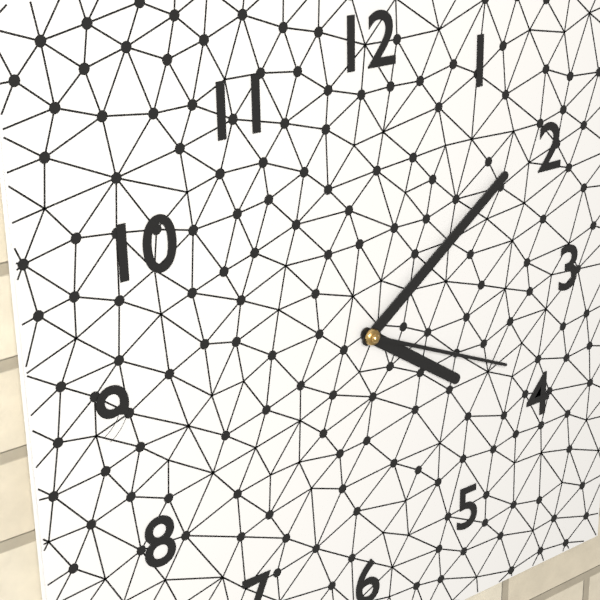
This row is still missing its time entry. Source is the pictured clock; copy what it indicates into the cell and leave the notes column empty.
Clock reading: 4:09:19
